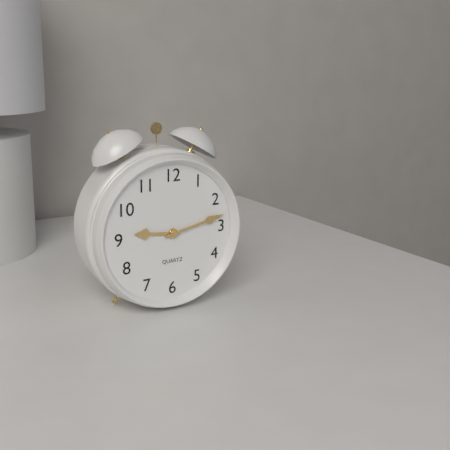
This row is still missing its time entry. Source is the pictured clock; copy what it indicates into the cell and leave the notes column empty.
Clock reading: 9:13
